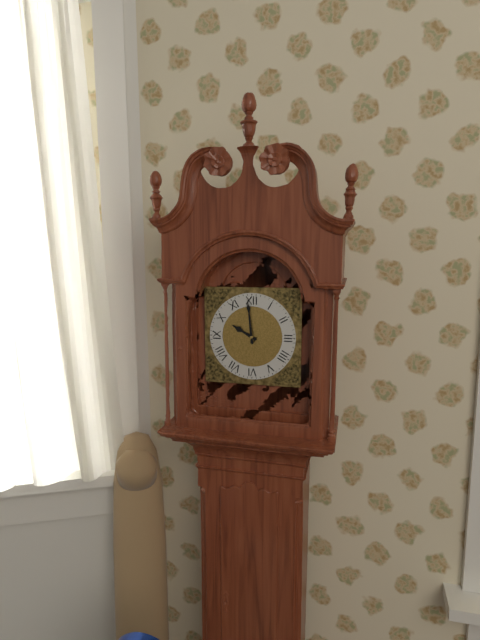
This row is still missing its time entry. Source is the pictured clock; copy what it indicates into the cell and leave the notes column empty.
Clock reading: 9:59
